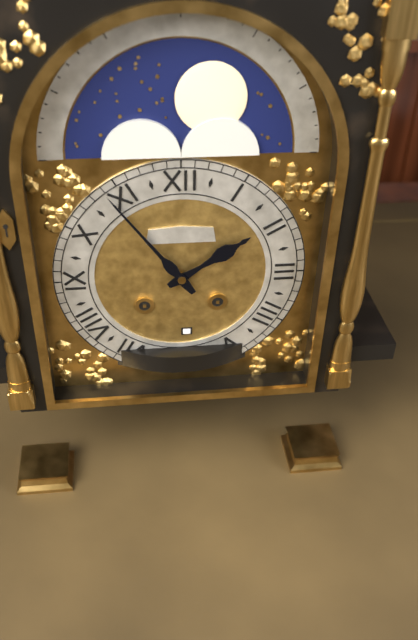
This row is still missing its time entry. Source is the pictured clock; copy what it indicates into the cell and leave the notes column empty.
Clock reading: 1:54
